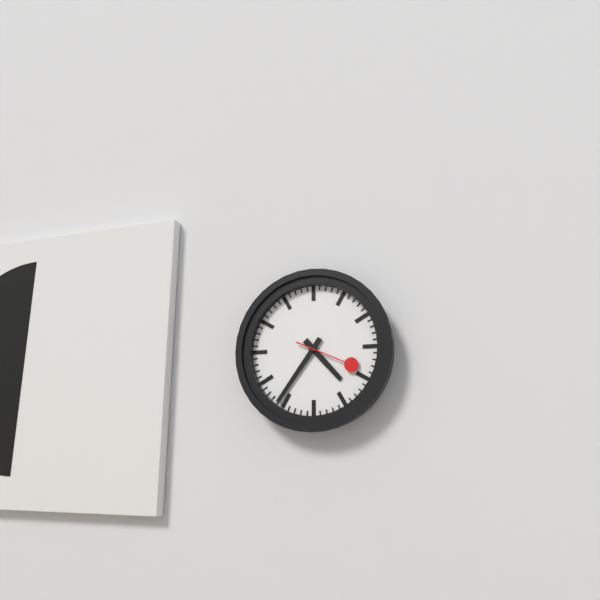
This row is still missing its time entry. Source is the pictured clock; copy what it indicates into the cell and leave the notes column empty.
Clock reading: 4:36:19
